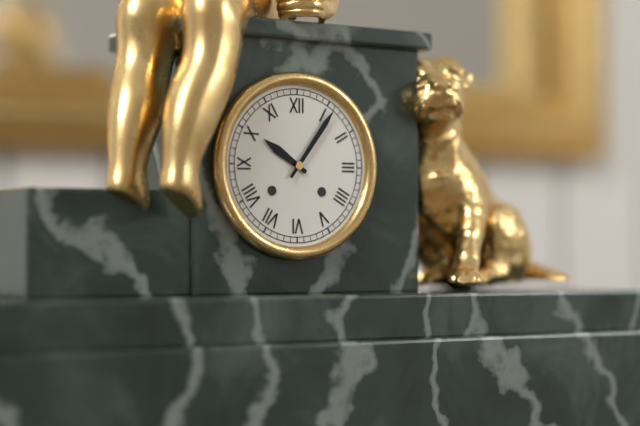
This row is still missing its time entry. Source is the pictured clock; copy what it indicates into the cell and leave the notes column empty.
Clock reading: 10:06
